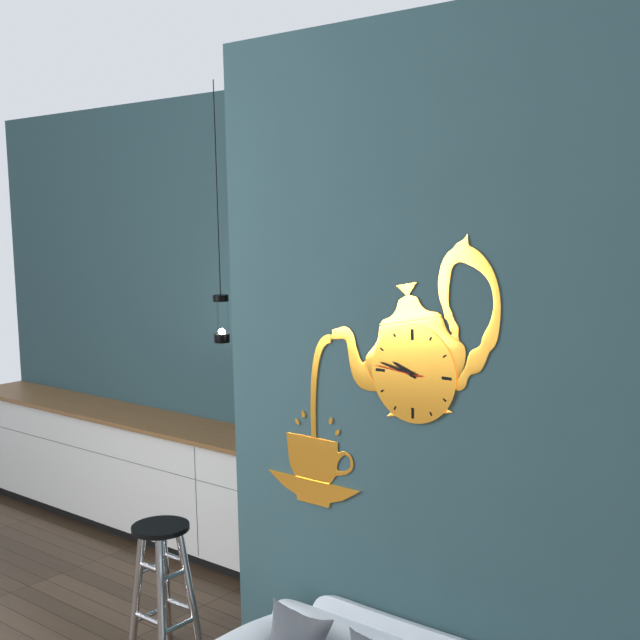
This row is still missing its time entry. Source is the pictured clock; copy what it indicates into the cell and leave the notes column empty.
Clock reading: 9:47
